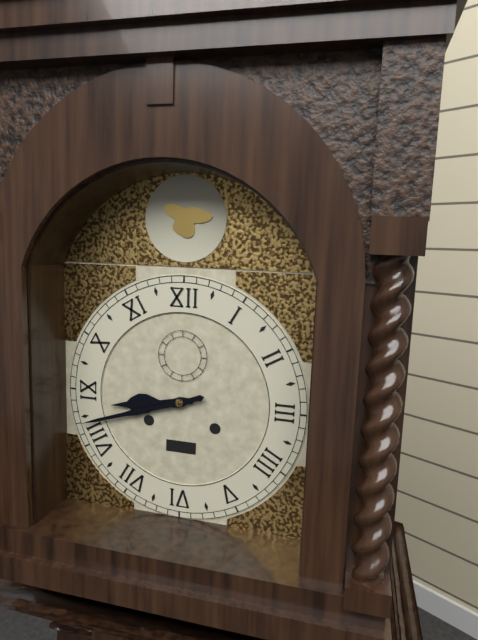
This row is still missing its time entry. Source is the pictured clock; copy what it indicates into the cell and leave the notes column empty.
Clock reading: 8:42
